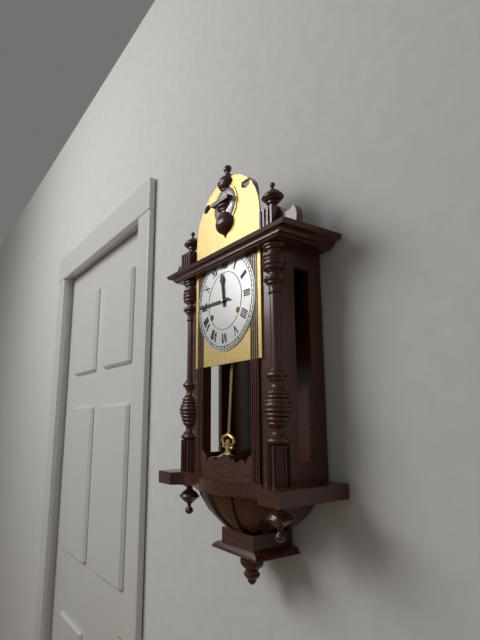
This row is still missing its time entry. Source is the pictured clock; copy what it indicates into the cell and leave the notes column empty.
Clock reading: 11:45
